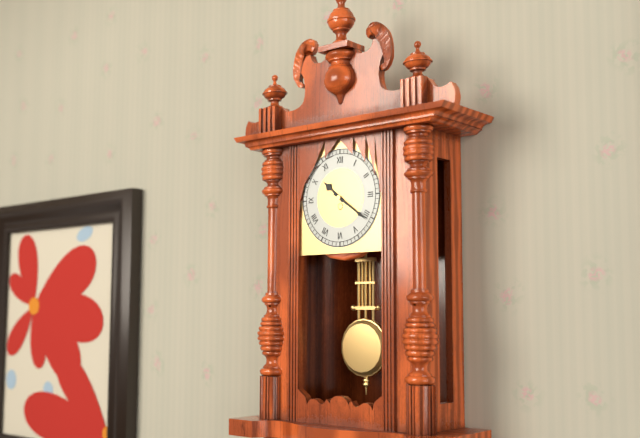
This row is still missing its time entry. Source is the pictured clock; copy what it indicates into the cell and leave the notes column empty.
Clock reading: 10:21
